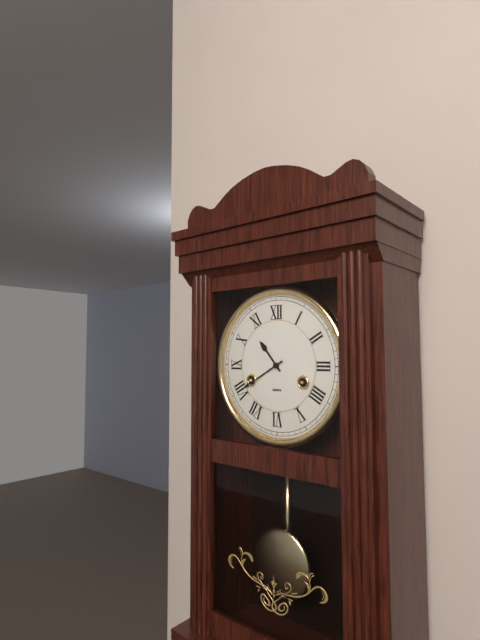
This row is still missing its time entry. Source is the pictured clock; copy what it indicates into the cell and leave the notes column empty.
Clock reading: 10:40
